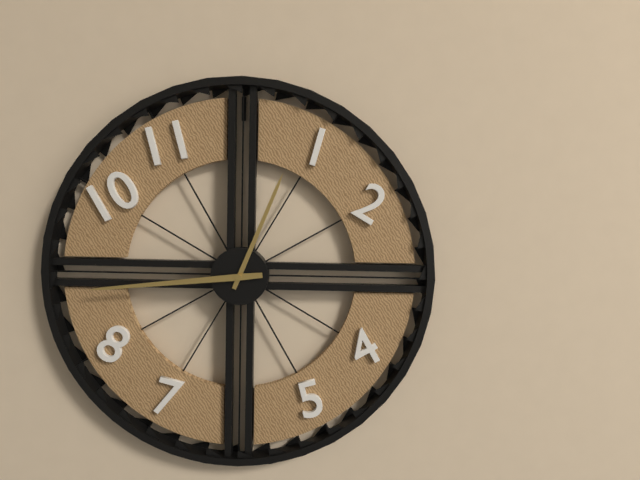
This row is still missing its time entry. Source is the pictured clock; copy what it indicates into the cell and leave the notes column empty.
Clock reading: 12:44
